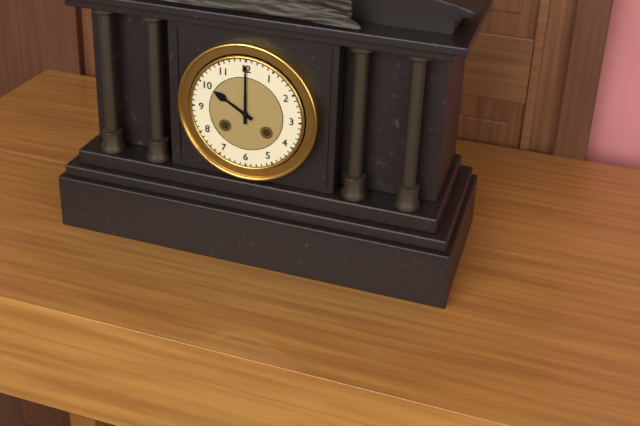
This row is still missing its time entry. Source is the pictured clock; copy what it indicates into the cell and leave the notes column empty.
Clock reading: 10:00
